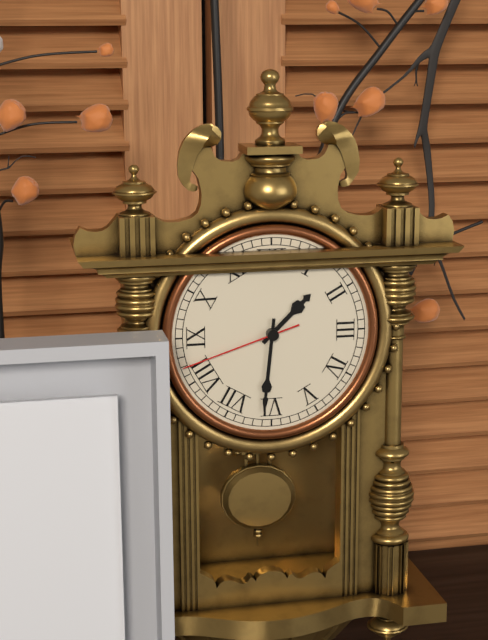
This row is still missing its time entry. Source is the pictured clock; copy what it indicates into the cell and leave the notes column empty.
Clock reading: 1:31:42
